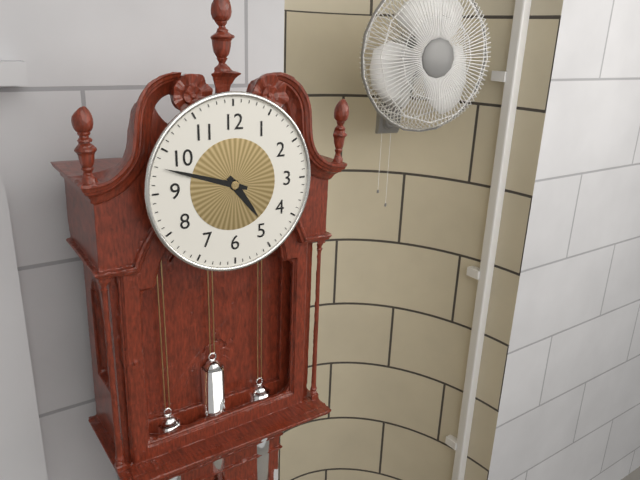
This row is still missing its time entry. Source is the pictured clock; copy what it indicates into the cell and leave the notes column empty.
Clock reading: 4:48
